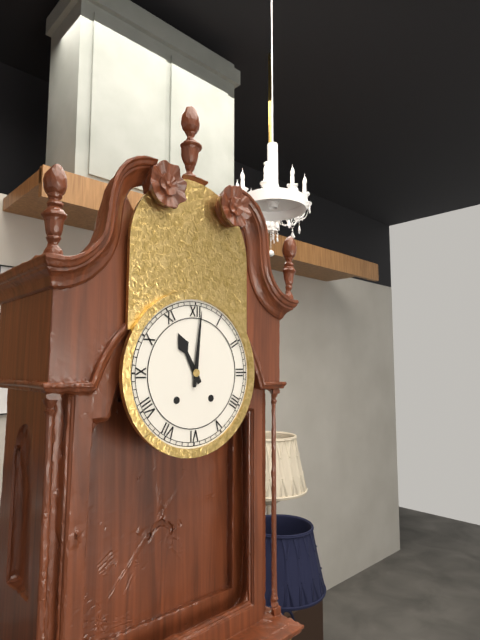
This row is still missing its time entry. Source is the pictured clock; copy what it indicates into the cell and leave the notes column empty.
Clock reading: 11:01
